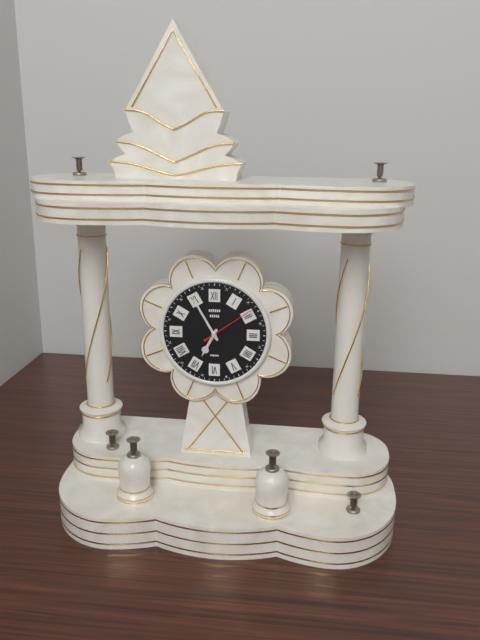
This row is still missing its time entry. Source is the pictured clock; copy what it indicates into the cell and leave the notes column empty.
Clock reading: 6:55:09
